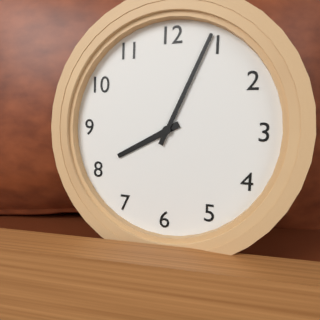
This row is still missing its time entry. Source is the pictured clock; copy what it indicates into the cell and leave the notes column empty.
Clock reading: 8:04
